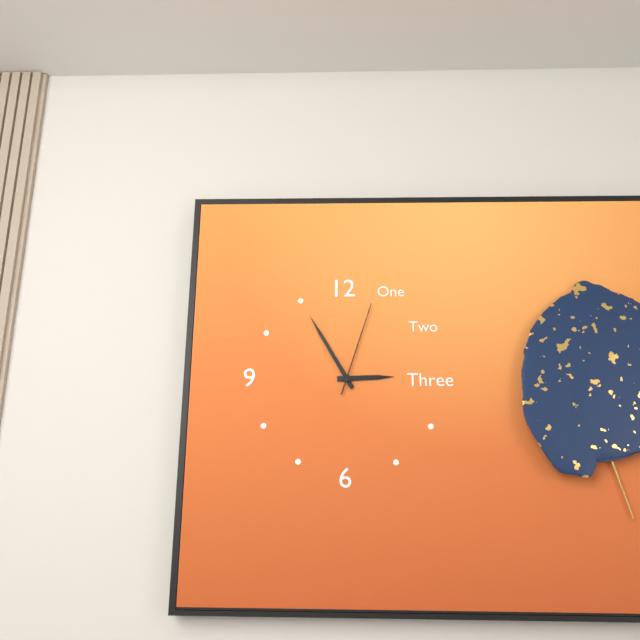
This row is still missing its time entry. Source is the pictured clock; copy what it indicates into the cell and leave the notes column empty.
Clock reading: 2:55:03
